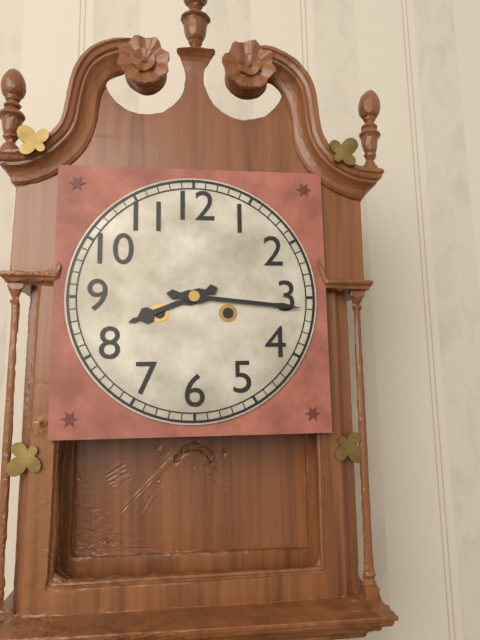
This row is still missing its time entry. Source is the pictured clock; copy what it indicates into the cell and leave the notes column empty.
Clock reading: 8:16
